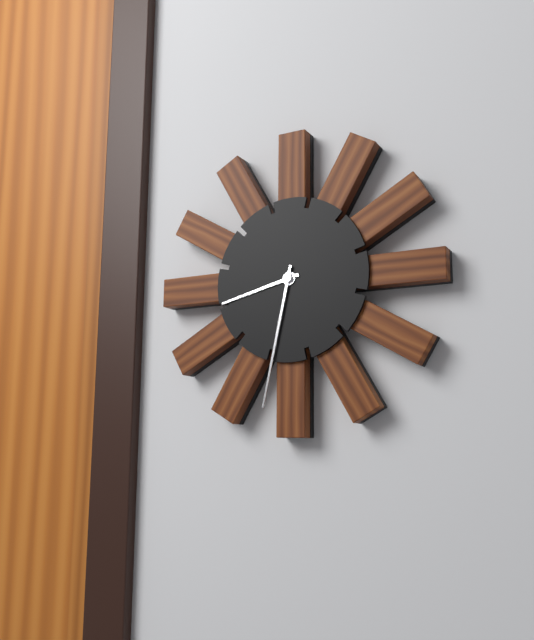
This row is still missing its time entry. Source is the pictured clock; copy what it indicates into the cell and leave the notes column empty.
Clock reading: 8:32
